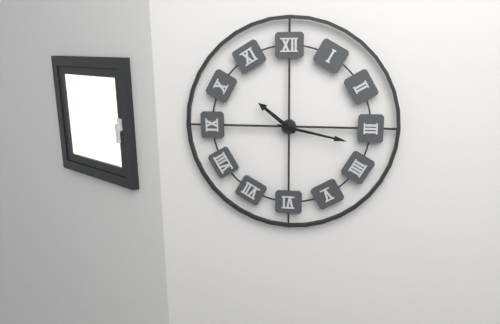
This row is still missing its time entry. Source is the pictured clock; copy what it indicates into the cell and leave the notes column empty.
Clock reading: 10:17
